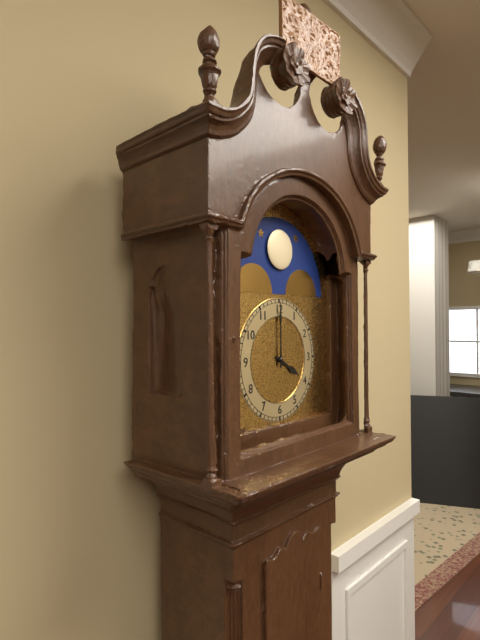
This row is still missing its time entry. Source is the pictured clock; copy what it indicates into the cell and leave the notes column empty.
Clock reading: 4:00
